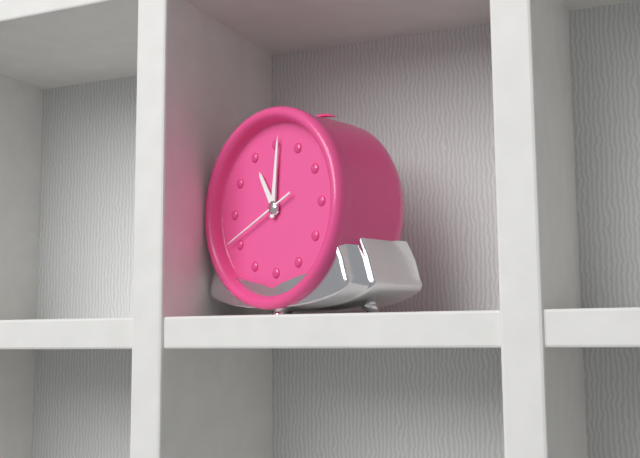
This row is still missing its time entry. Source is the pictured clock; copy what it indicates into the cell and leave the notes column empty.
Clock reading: 11:01:41
